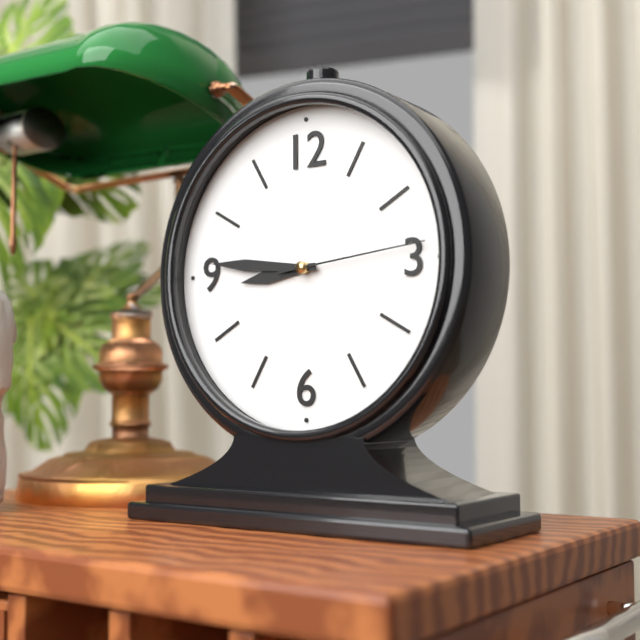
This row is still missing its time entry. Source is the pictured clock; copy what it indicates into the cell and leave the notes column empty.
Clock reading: 8:46:14
